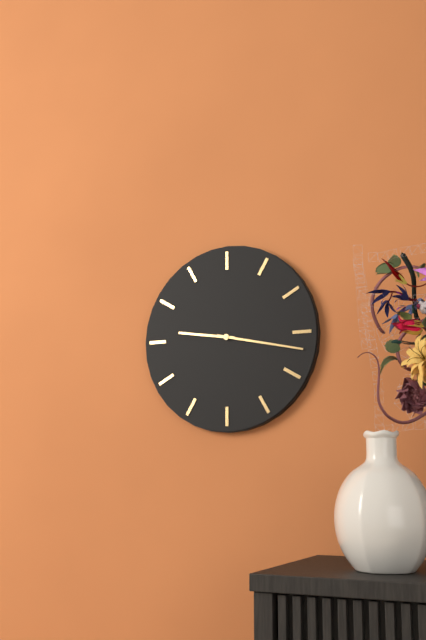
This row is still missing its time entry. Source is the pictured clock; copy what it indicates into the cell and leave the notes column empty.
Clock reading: 9:17
